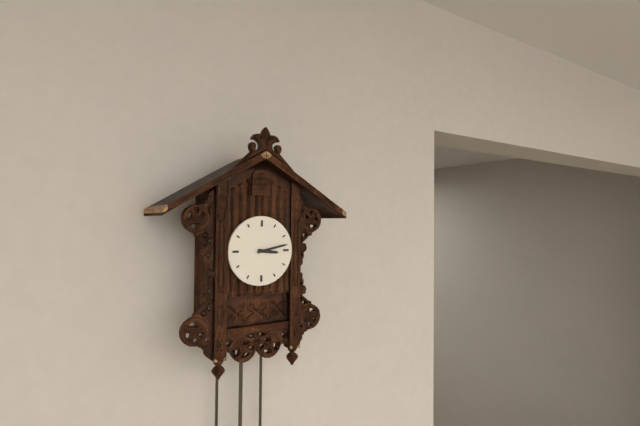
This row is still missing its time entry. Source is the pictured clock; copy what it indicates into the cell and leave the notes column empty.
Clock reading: 3:13
